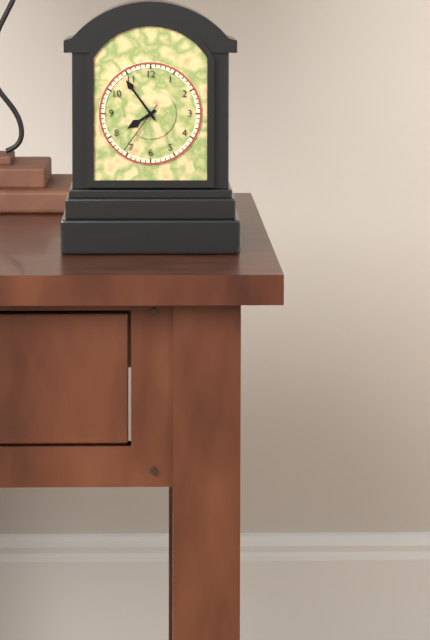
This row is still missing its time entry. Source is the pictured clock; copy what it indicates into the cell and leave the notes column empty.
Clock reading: 7:54:36
